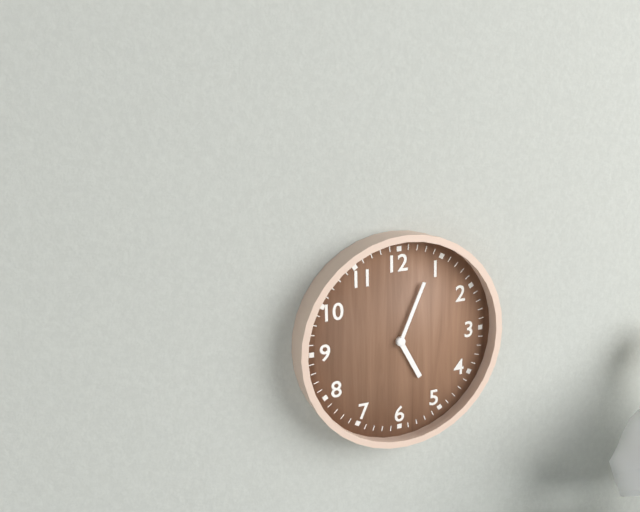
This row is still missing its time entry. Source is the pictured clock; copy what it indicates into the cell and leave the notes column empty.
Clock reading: 5:04
